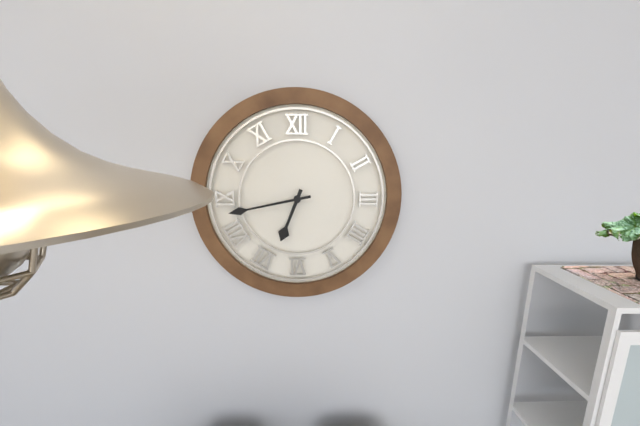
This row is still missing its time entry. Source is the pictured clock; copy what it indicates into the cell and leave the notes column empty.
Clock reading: 6:43
